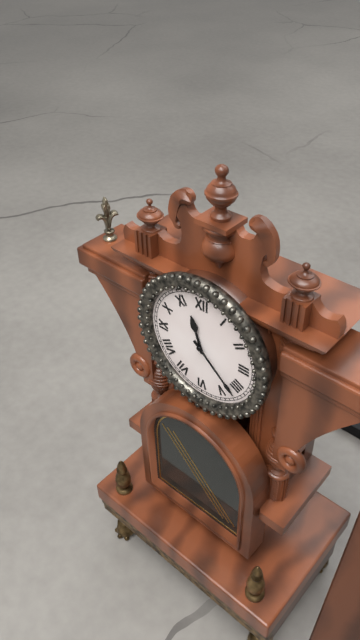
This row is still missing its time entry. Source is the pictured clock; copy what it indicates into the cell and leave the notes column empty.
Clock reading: 11:22
